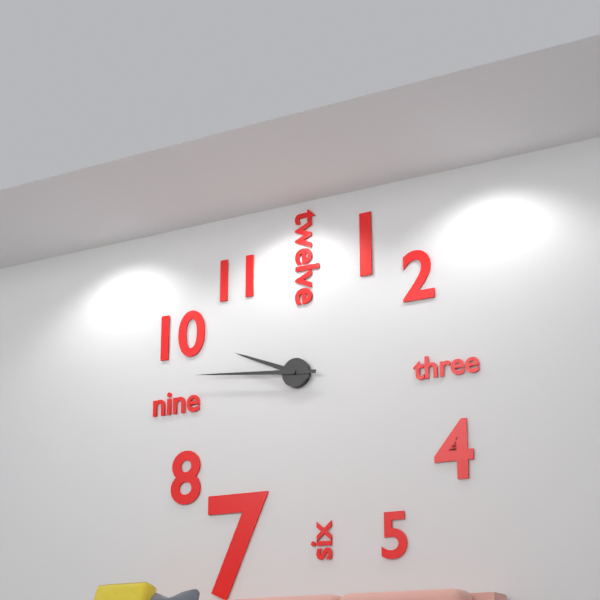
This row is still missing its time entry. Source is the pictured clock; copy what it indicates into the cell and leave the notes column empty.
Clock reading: 9:46
